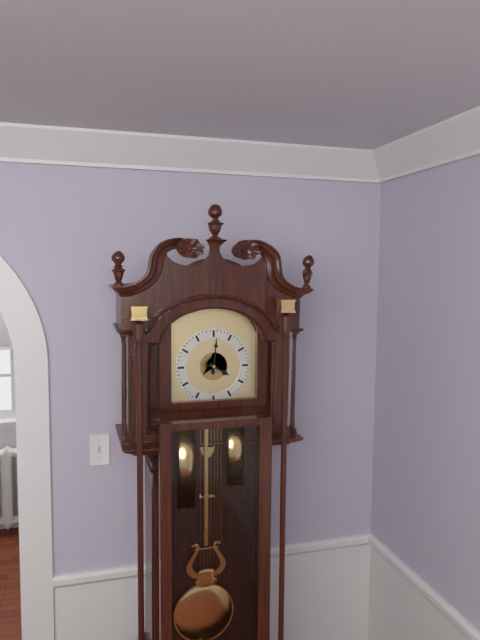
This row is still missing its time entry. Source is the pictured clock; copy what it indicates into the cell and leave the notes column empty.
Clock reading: 4:01
